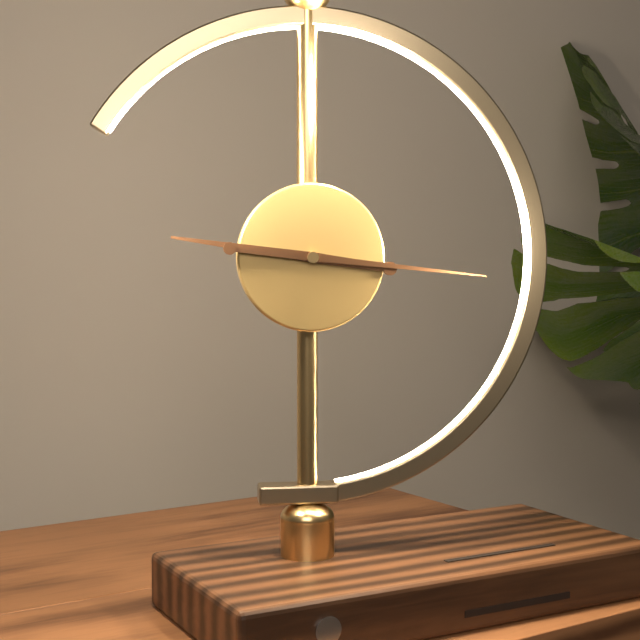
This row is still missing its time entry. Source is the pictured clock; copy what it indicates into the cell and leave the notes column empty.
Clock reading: 9:16
